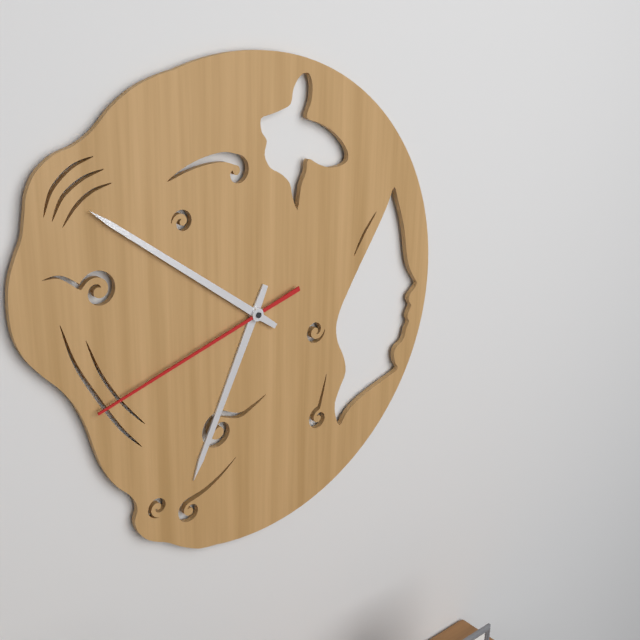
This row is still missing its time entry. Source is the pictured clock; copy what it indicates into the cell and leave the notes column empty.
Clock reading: 6:51:42
